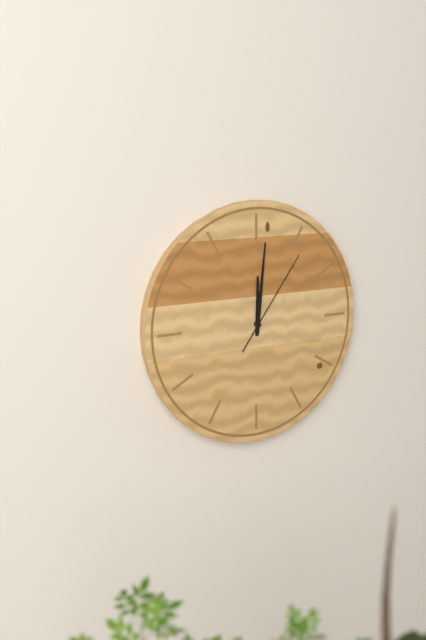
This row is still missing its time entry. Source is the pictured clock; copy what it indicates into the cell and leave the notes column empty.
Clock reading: 12:01:06
